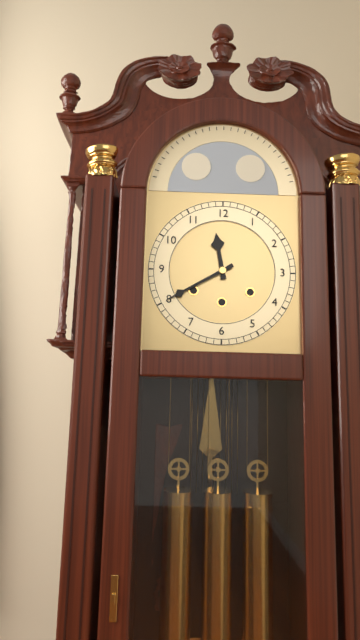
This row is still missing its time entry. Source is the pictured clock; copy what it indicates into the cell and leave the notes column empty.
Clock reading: 11:40
